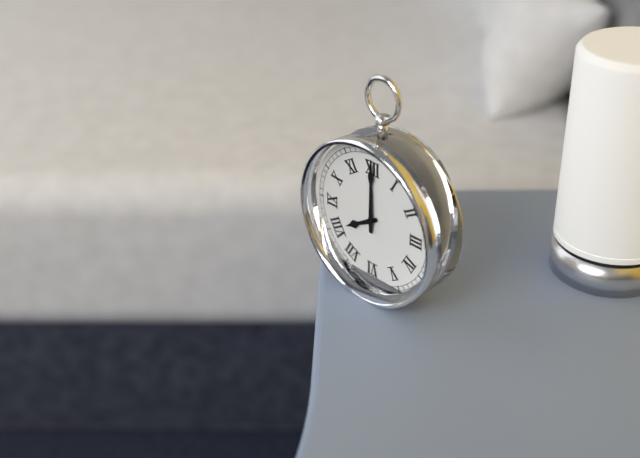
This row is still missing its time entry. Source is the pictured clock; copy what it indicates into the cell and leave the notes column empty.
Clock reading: 8:00
